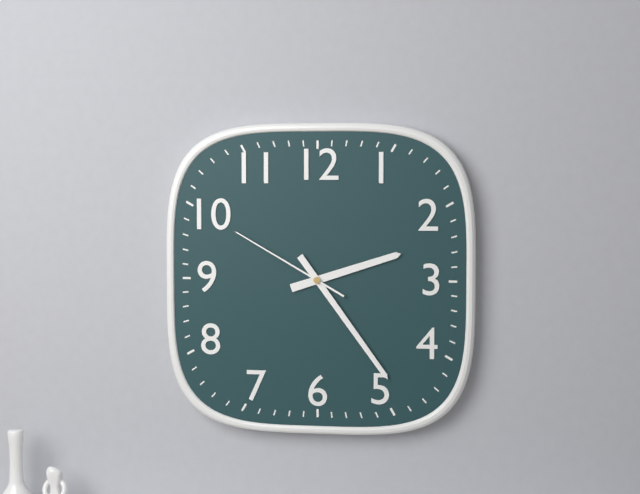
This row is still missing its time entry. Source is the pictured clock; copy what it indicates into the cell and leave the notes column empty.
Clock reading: 2:24:50
